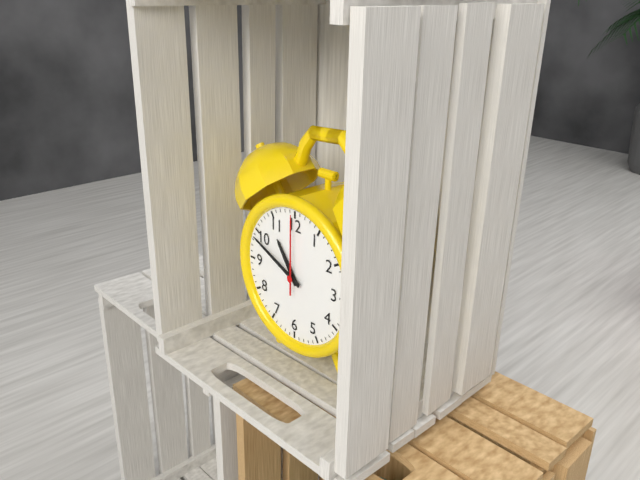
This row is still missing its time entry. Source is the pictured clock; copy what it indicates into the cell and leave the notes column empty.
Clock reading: 10:49:00
